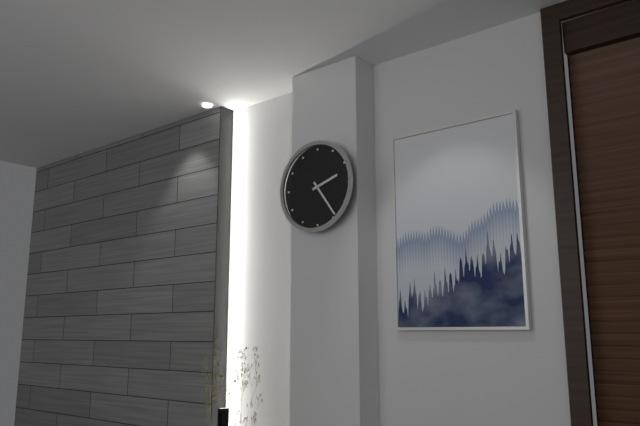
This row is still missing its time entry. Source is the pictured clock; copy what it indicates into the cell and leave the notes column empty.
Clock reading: 2:24
